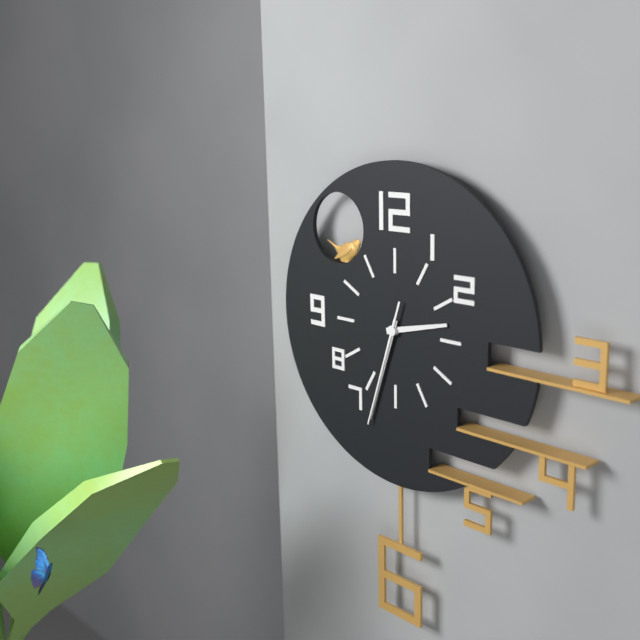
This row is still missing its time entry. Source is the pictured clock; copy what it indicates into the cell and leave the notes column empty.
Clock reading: 2:33:33
